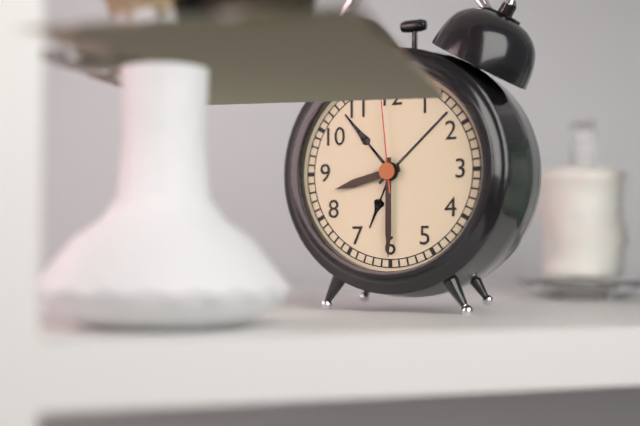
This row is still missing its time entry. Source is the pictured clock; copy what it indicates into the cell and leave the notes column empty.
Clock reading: 8:30:59
